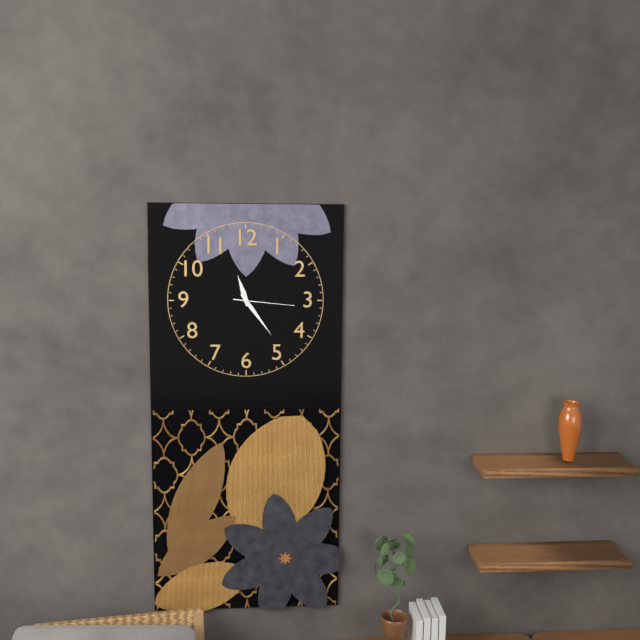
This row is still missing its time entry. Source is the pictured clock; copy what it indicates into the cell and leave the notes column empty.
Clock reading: 11:24:16
